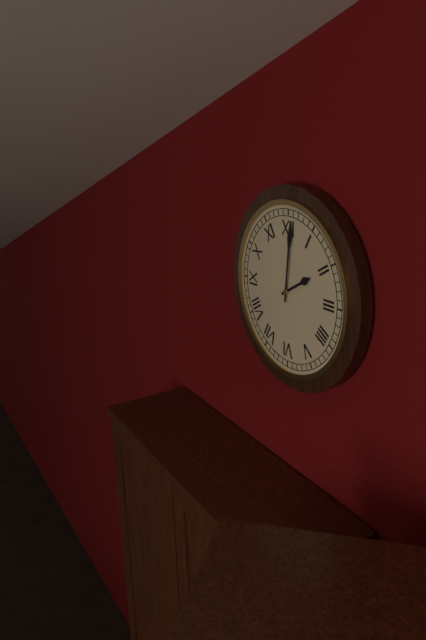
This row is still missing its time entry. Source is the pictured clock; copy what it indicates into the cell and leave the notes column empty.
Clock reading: 2:01
